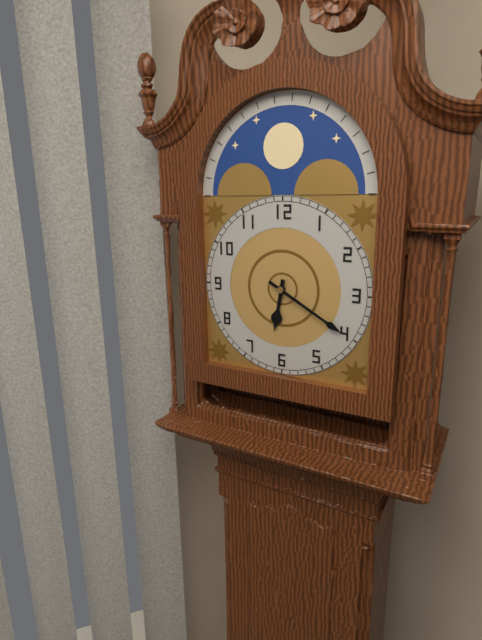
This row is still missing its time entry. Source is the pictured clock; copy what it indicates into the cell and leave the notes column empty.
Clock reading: 6:20
